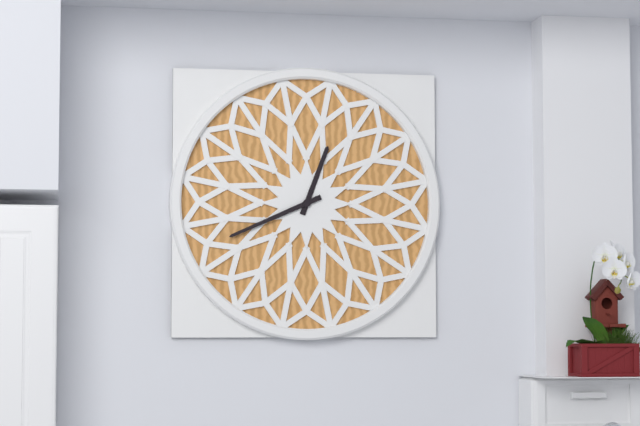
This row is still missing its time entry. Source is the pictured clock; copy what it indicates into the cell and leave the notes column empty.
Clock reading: 12:41
